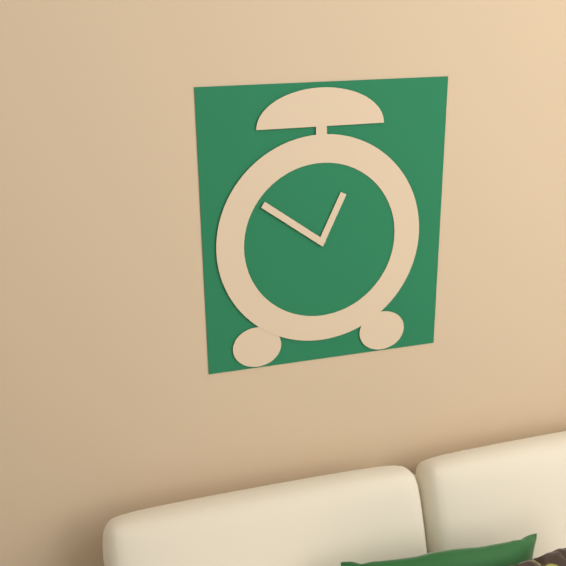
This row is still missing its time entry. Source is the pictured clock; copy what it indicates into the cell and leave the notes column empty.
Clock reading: 12:51
